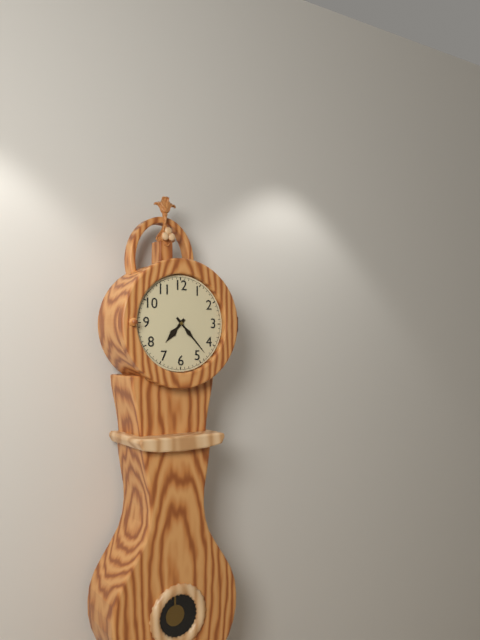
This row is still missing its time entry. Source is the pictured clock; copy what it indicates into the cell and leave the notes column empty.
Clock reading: 7:23
